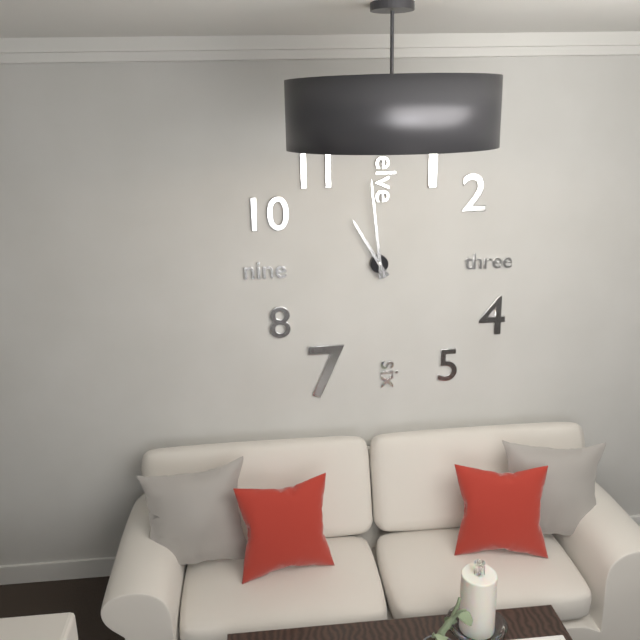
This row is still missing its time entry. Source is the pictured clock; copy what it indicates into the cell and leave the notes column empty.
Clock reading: 10:59
